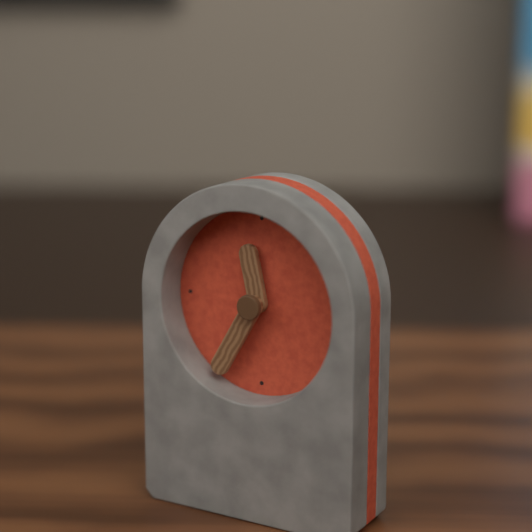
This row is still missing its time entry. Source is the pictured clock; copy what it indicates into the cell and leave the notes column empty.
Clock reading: 11:35
